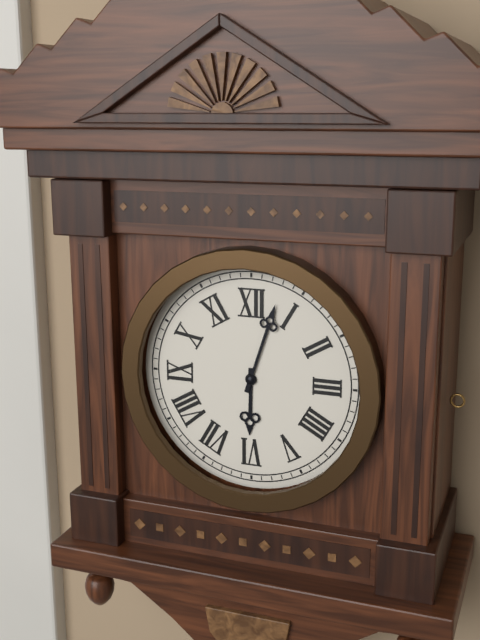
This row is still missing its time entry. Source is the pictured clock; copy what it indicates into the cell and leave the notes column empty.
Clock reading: 6:03
